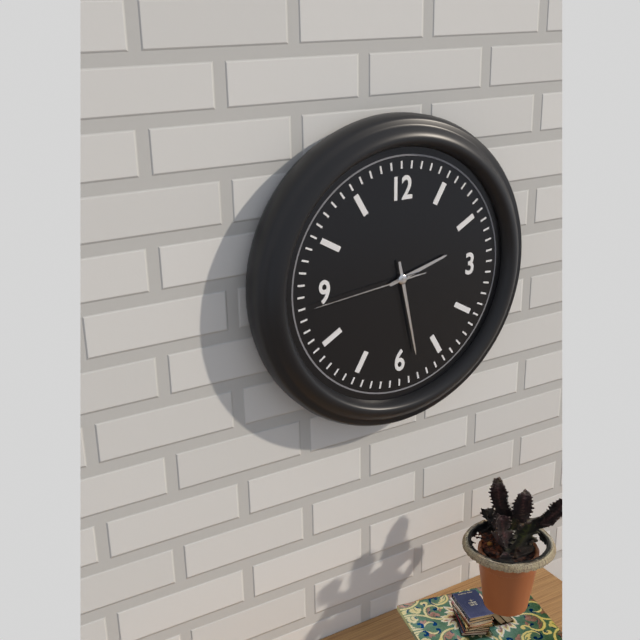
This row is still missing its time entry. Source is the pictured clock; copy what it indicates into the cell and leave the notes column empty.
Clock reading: 2:28:44
